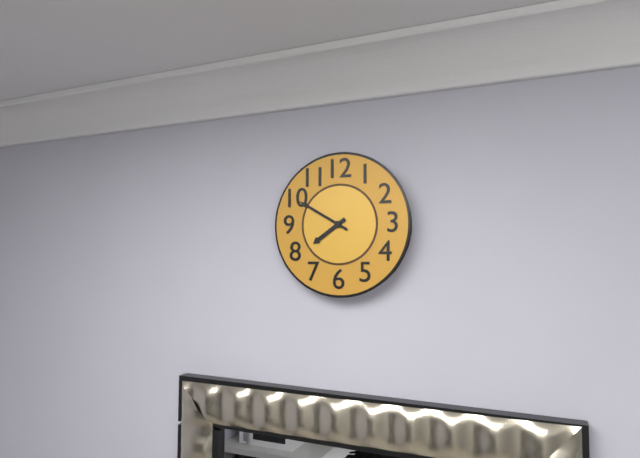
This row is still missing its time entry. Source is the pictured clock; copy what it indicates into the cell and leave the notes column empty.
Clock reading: 7:50
